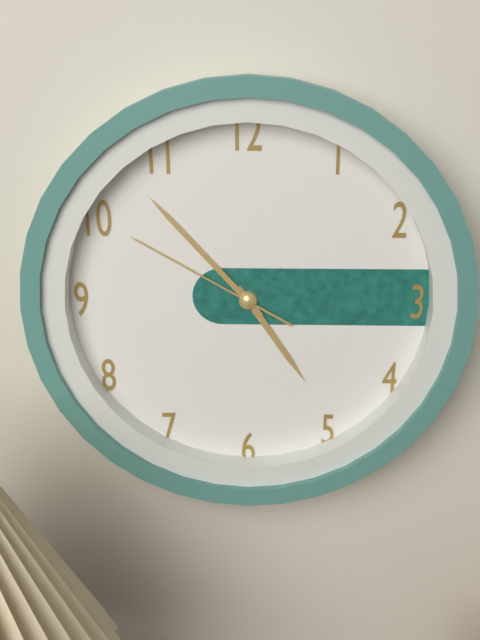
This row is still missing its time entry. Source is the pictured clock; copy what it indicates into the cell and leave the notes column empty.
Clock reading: 4:53:50
